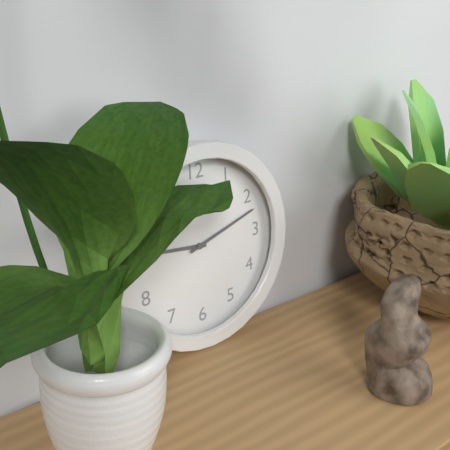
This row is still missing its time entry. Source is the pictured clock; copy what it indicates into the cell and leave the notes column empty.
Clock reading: 9:12
